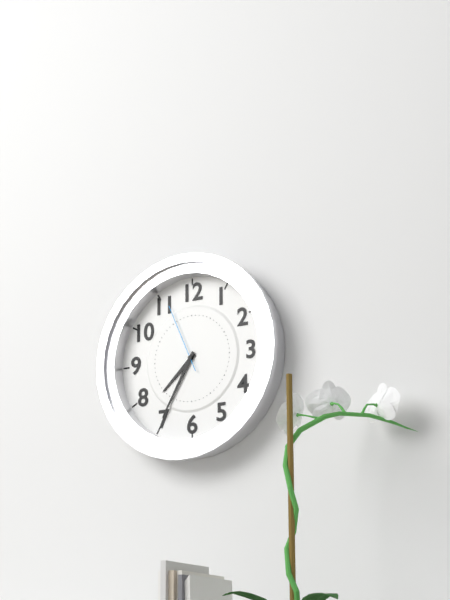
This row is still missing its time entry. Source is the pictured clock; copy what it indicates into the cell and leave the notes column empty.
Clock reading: 7:35:56
